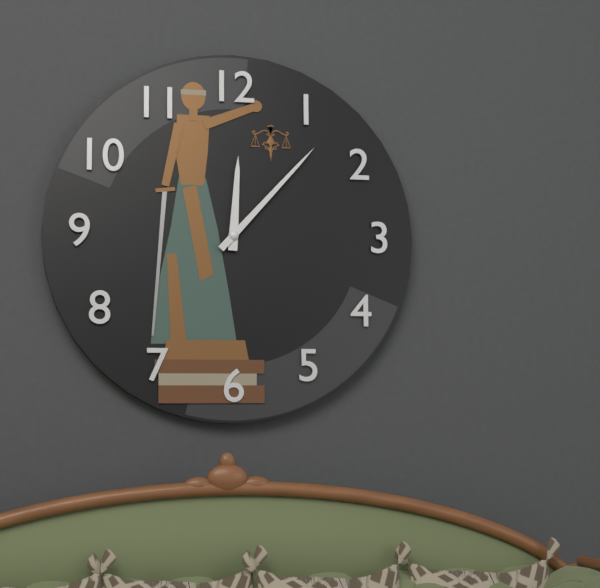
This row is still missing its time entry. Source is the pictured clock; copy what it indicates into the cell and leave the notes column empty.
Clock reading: 12:07
